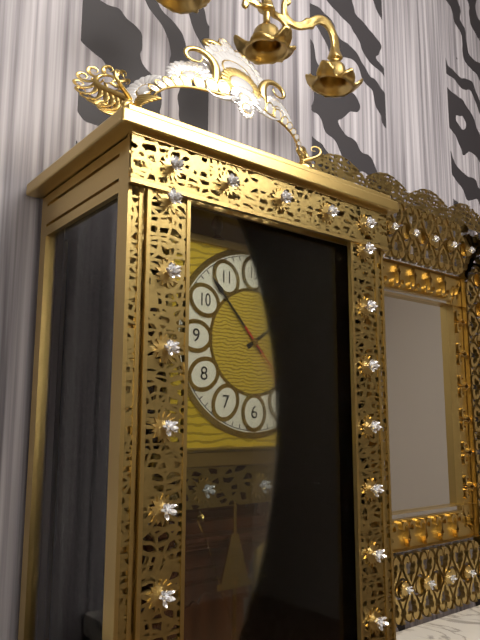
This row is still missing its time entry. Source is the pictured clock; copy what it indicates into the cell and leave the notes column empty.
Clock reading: 1:53:23
